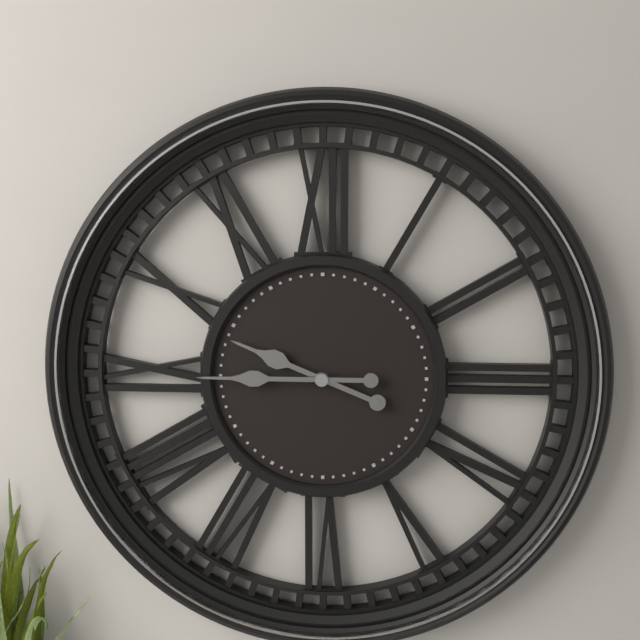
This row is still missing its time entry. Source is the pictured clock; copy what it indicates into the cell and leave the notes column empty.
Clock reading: 9:45
